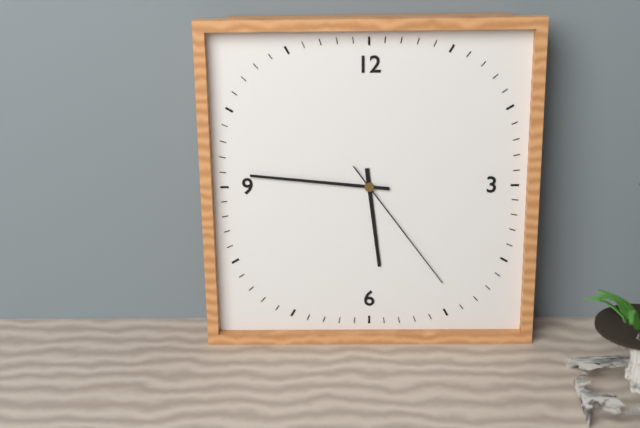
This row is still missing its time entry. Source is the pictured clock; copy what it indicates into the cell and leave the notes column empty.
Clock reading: 5:46:24
